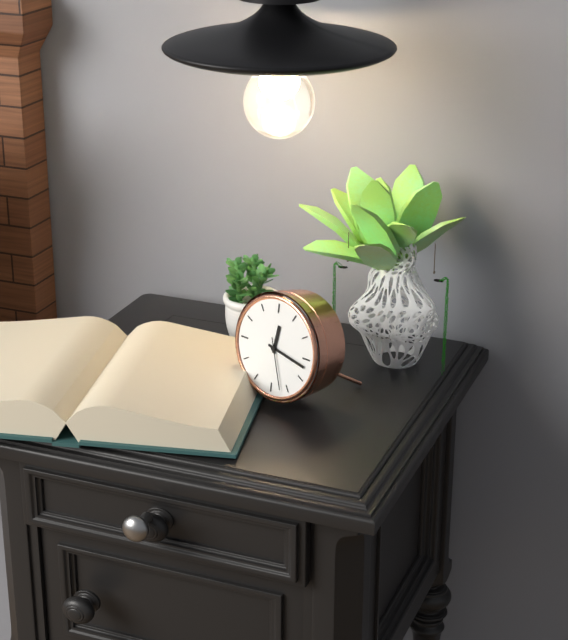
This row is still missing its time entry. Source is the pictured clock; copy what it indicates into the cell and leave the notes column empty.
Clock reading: 12:17:27
